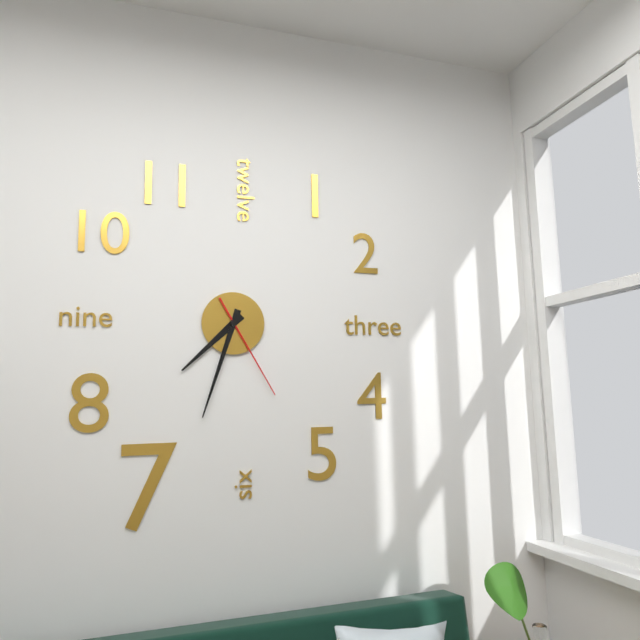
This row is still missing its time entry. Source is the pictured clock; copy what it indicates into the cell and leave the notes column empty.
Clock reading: 7:33:25
